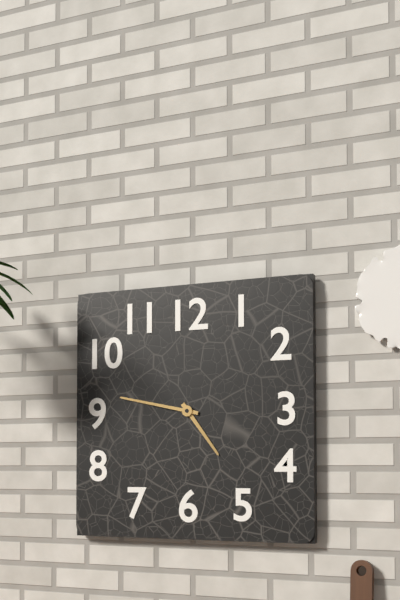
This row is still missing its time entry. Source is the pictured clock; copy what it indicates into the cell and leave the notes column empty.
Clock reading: 4:47
